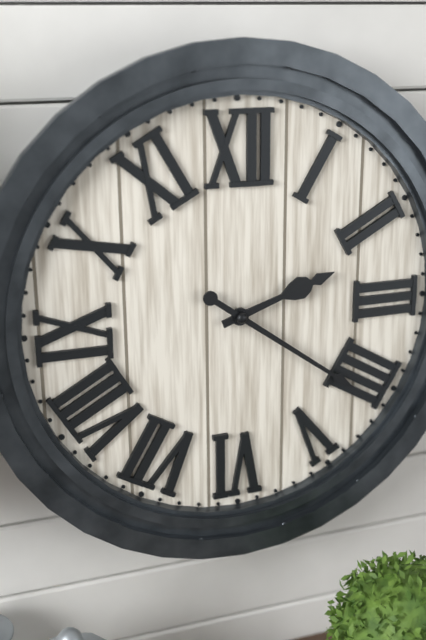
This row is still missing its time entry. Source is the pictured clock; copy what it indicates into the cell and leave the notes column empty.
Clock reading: 2:21
